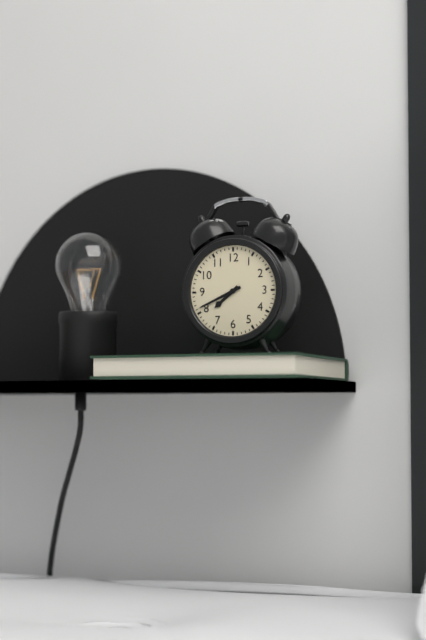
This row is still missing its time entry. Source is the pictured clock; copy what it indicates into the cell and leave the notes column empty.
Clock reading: 7:41
